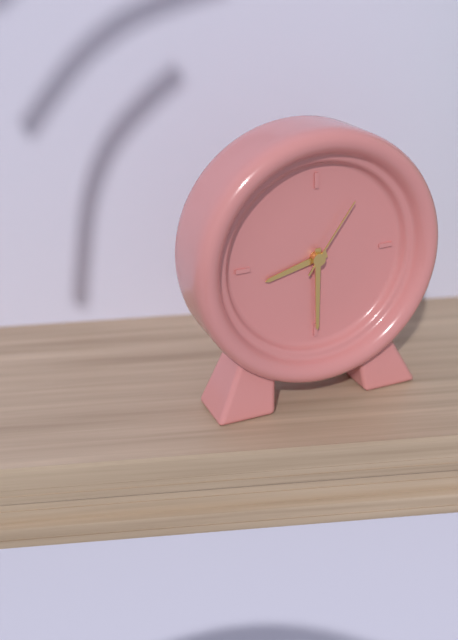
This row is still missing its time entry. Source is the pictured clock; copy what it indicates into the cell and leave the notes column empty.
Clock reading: 8:30:06
